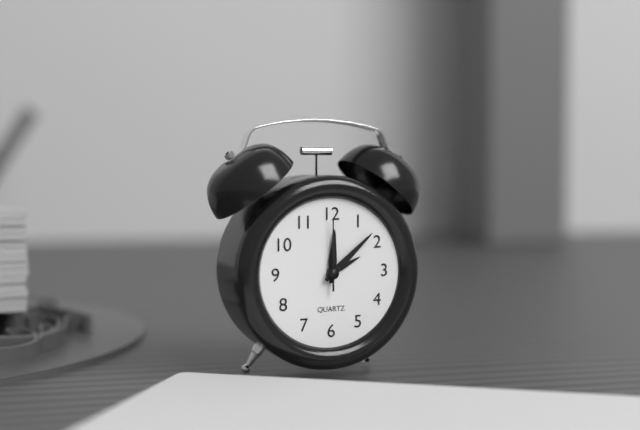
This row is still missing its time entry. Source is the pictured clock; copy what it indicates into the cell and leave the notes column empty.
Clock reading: 12:08:00
